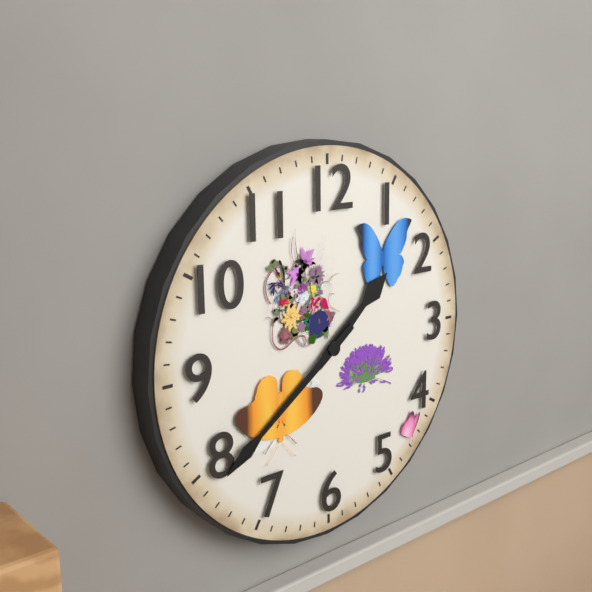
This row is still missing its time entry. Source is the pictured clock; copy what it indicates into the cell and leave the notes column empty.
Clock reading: 1:39
